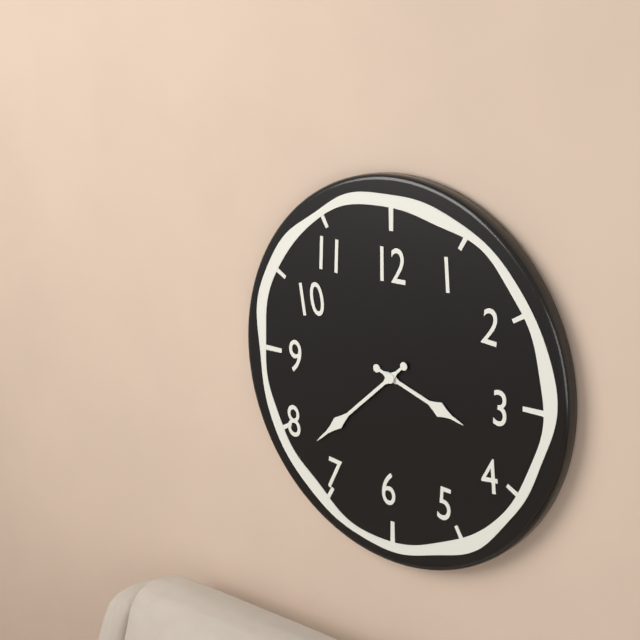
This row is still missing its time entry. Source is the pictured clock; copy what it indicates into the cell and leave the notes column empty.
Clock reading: 3:38
